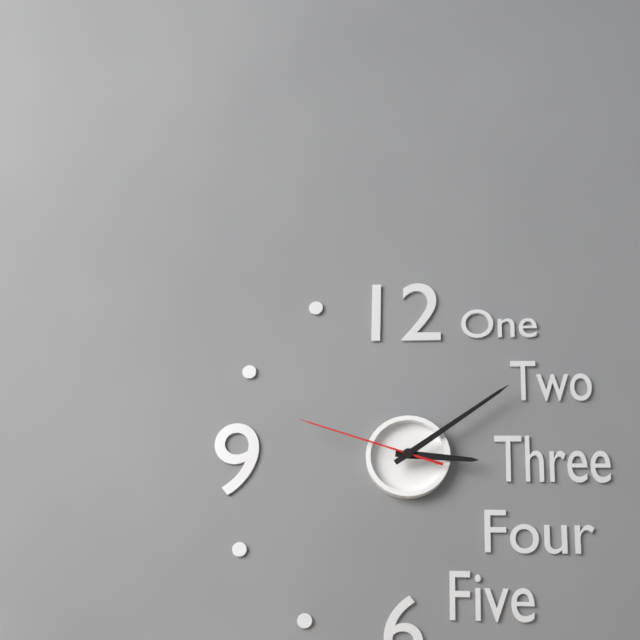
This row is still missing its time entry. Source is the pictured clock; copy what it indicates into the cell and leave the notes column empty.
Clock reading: 3:09:48
